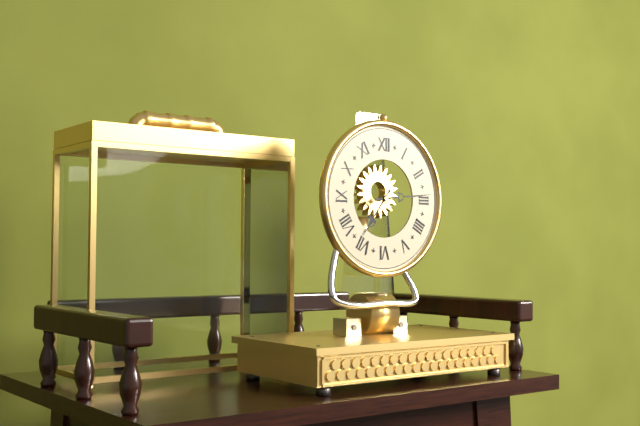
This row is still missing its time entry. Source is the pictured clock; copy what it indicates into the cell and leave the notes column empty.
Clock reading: 7:14
